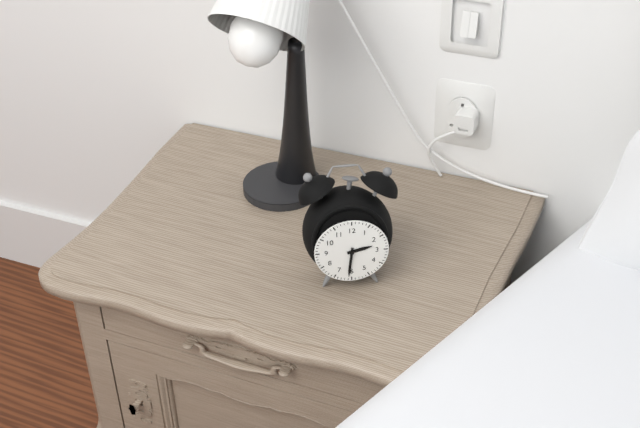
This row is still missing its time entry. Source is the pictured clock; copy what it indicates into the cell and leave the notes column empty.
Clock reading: 2:31
